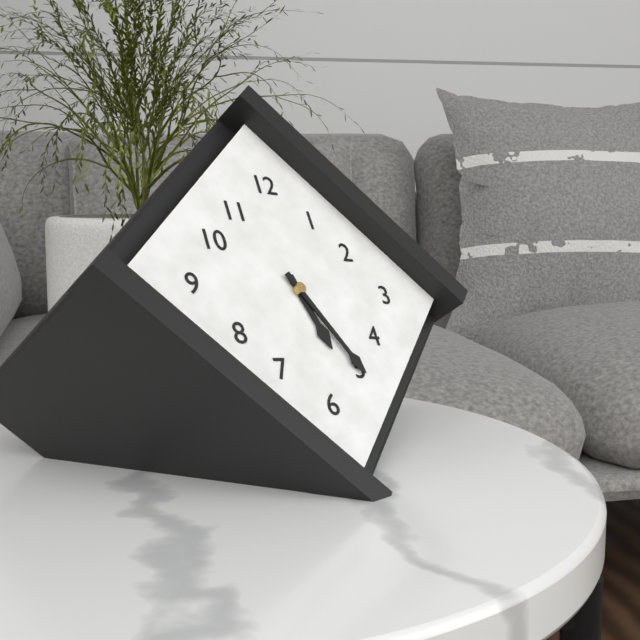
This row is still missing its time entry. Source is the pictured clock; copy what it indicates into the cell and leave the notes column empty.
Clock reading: 5:25
